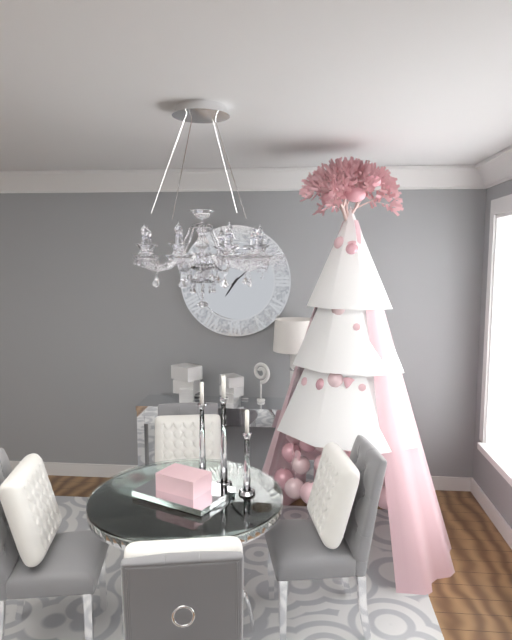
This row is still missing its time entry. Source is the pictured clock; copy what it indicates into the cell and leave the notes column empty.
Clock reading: 7:08
